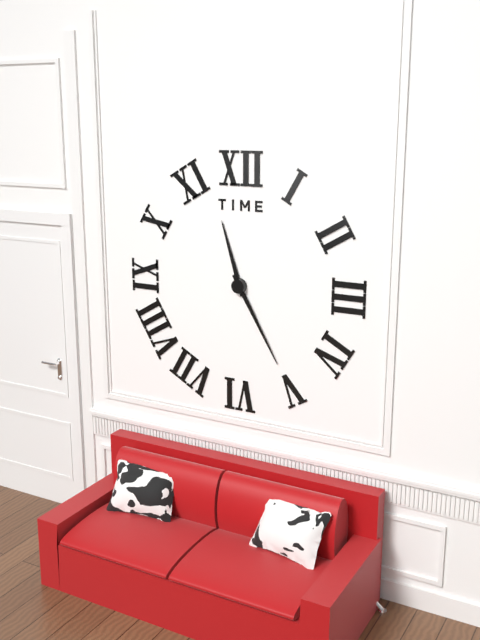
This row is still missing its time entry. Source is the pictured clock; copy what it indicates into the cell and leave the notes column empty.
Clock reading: 11:25
